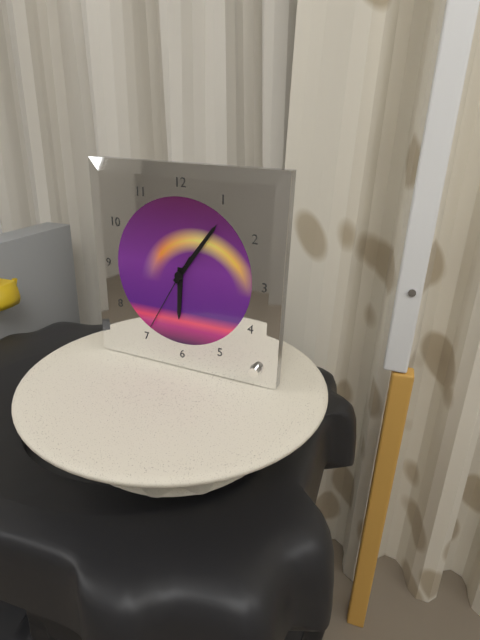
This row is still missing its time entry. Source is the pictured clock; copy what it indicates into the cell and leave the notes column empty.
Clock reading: 6:06:35
